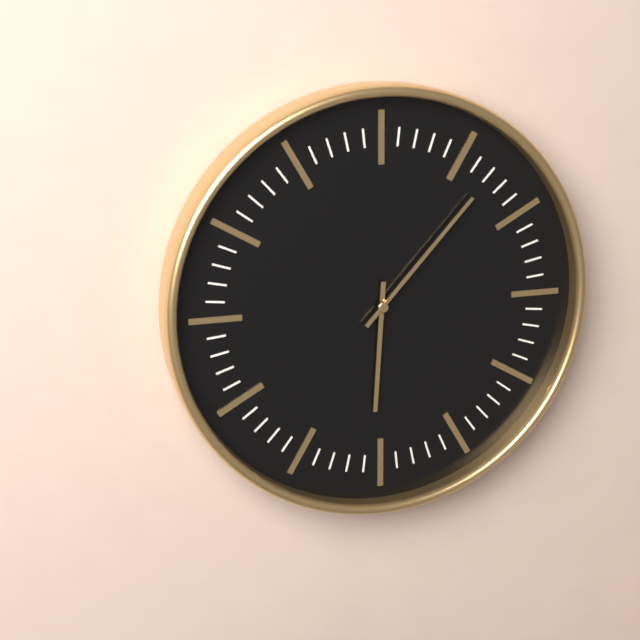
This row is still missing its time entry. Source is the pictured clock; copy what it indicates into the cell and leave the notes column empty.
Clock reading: 6:07
